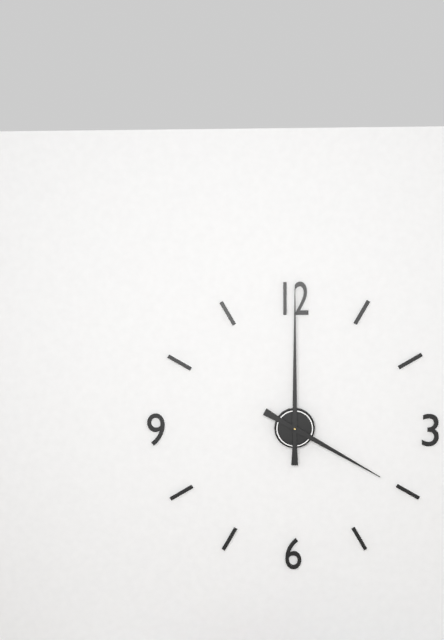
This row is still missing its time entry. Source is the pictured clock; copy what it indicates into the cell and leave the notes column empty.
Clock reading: 4:00
